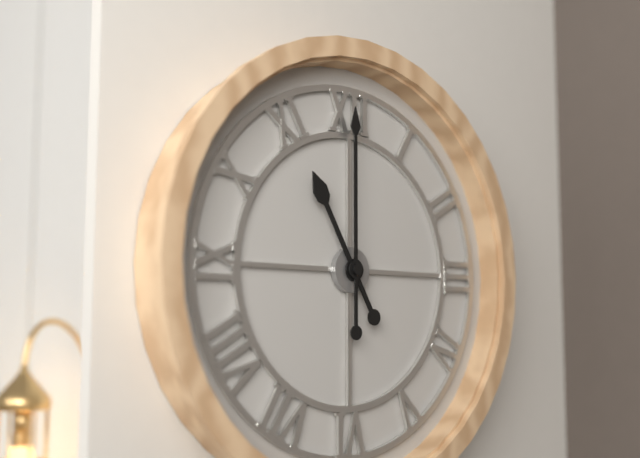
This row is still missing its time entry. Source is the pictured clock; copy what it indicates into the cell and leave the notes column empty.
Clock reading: 11:00
